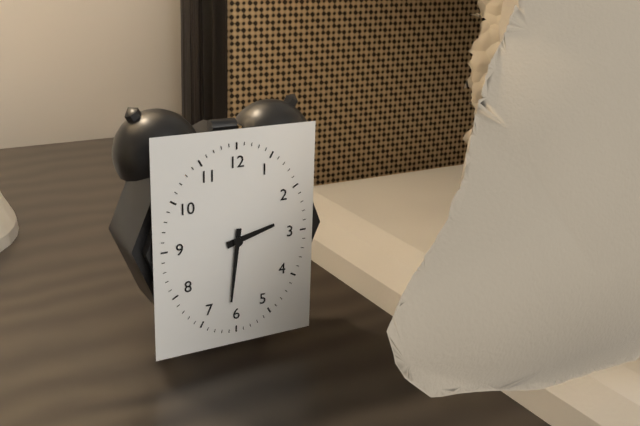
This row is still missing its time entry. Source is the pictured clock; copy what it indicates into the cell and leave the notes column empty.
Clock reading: 2:31
